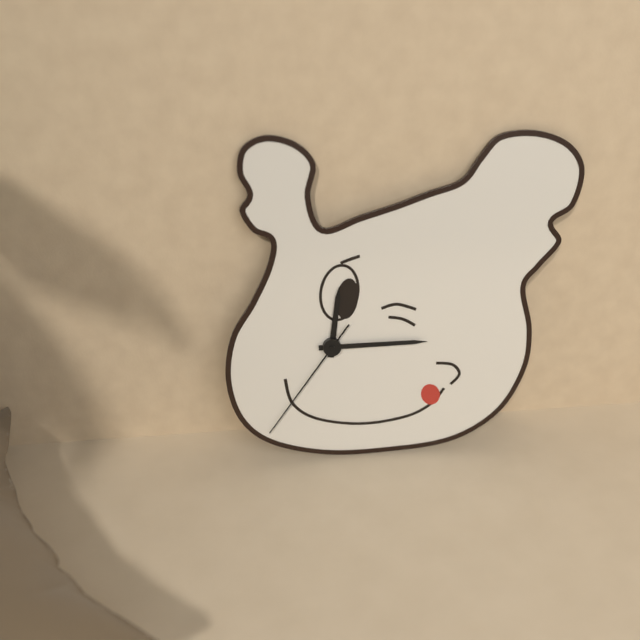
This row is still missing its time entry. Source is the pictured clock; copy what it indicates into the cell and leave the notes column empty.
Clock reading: 12:15:36
